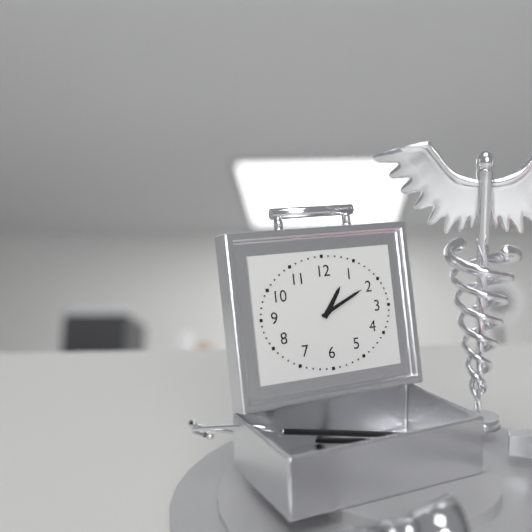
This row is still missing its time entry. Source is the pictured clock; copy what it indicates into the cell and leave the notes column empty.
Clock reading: 1:11
